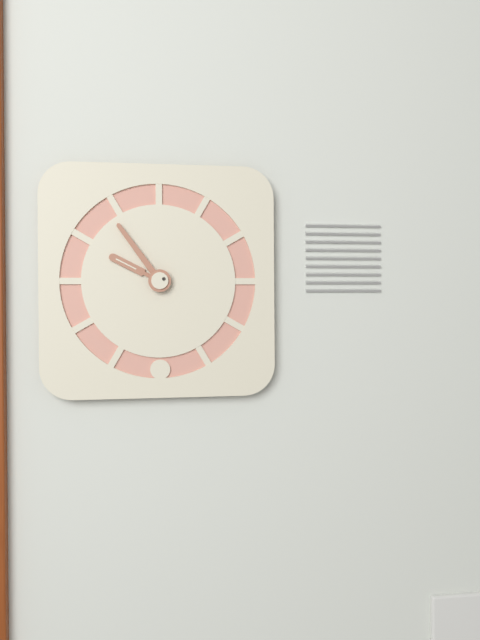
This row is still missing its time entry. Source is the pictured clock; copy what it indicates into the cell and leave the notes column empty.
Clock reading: 9:54
